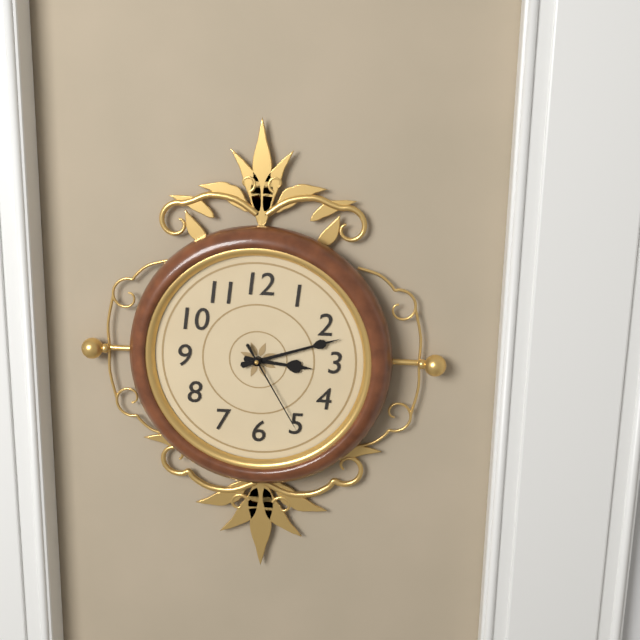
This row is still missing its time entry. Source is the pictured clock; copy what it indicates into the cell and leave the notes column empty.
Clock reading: 3:12:25
